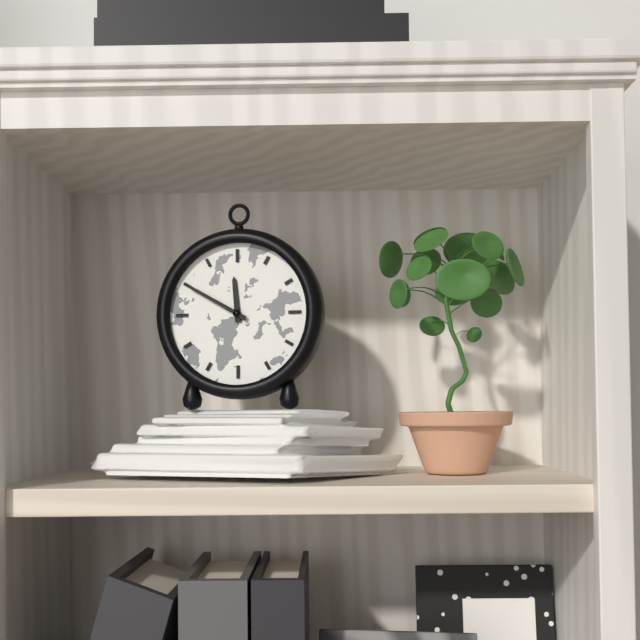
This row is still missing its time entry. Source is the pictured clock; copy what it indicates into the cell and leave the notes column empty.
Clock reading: 11:50
